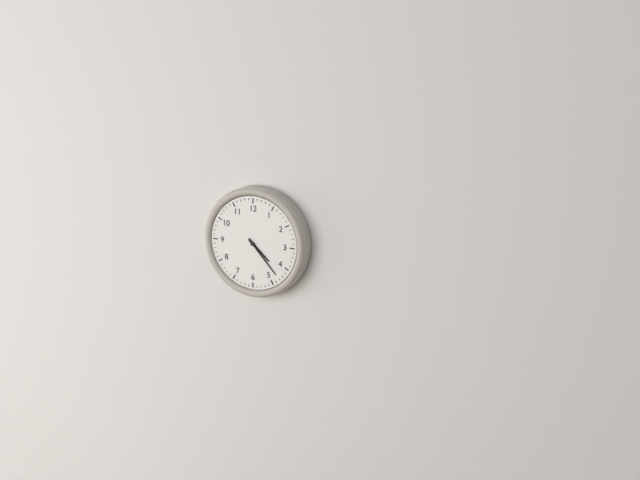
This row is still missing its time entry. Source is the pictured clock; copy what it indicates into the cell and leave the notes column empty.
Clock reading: 4:23
